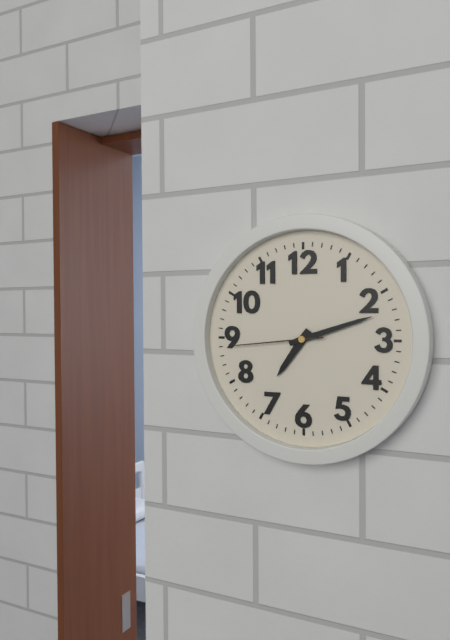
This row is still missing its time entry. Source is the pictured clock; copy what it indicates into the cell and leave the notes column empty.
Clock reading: 7:12:44
